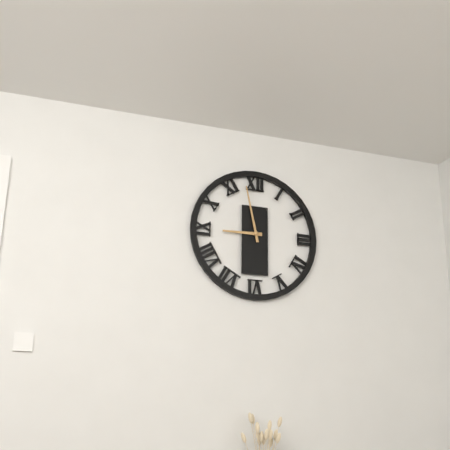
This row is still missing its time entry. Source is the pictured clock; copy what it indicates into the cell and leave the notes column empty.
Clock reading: 8:58
